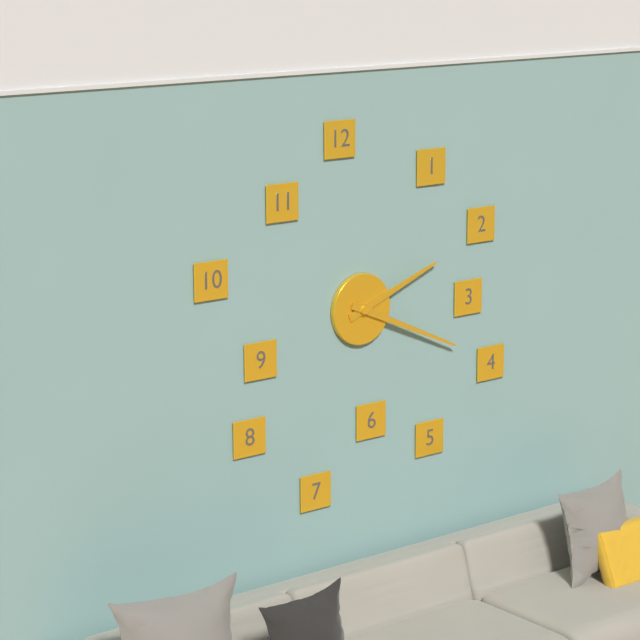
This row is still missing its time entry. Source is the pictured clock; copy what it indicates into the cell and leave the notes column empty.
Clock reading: 2:19
